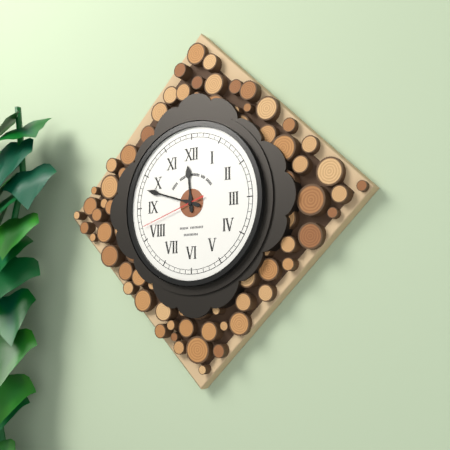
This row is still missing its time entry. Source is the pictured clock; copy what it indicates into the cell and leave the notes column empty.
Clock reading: 11:48:42
